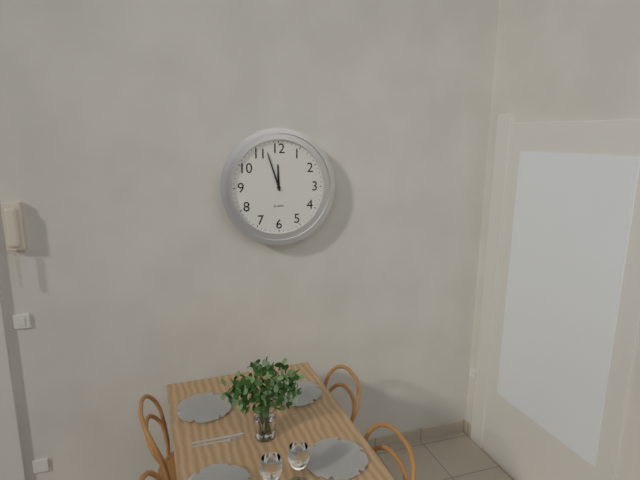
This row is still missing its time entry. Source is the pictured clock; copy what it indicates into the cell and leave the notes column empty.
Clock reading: 11:57
